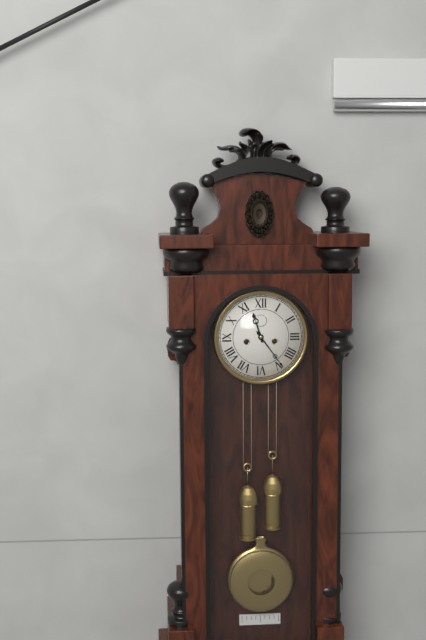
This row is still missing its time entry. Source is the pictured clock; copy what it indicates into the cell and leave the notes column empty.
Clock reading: 11:24
